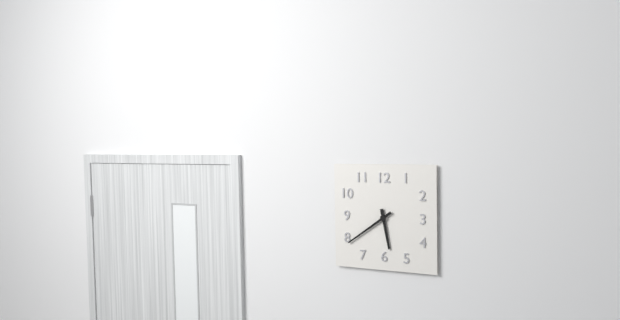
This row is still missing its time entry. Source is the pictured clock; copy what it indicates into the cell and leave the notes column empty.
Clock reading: 5:39
